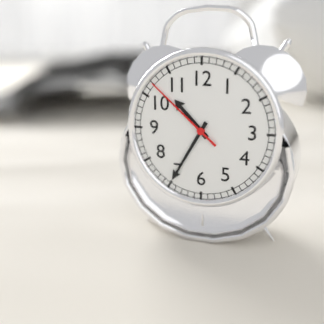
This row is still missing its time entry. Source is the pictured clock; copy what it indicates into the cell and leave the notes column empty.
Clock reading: 10:35:52
